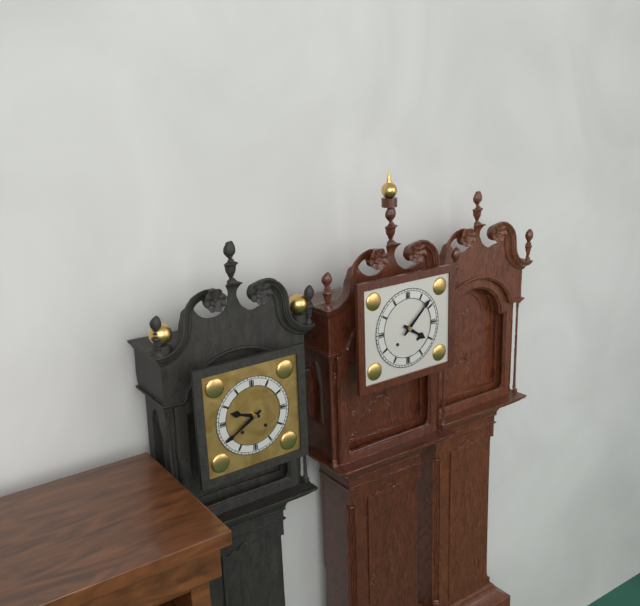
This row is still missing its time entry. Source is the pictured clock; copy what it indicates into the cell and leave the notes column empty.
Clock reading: 4:08
